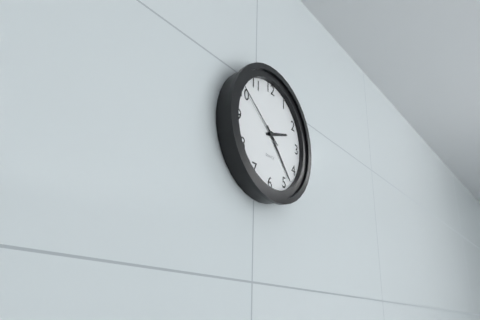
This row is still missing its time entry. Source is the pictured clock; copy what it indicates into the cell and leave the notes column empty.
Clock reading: 2:23:51
